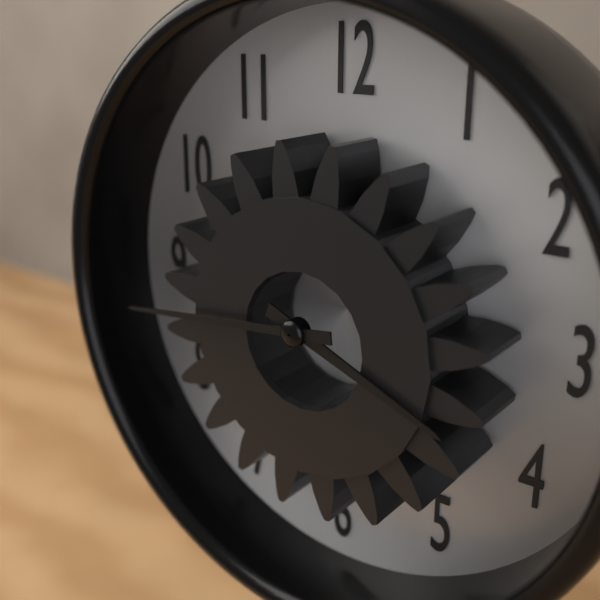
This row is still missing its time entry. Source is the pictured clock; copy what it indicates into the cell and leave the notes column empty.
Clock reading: 3:44
